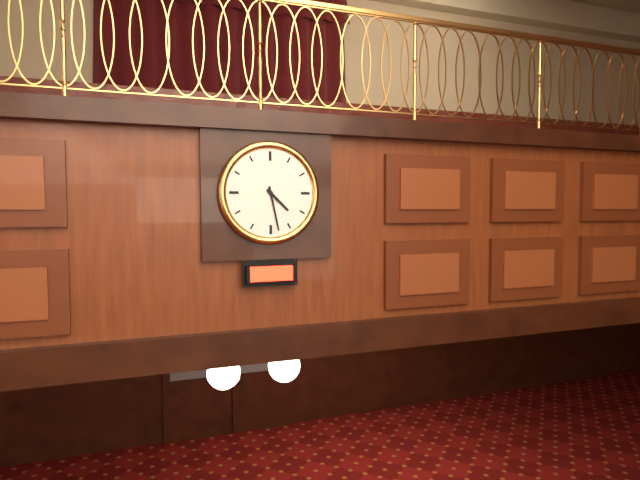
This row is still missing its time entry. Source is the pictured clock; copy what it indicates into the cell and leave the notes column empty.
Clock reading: 4:28
